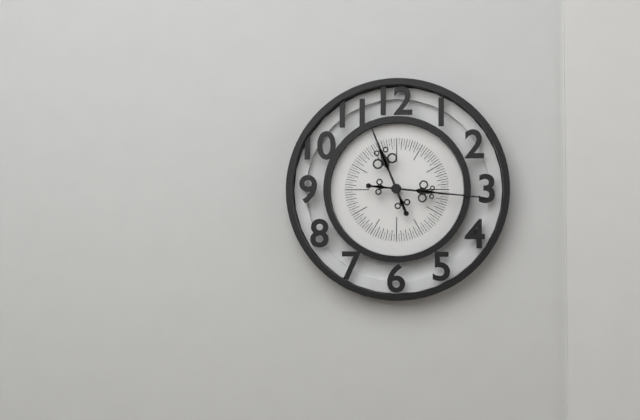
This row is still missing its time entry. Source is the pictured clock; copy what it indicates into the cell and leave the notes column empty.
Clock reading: 11:16
